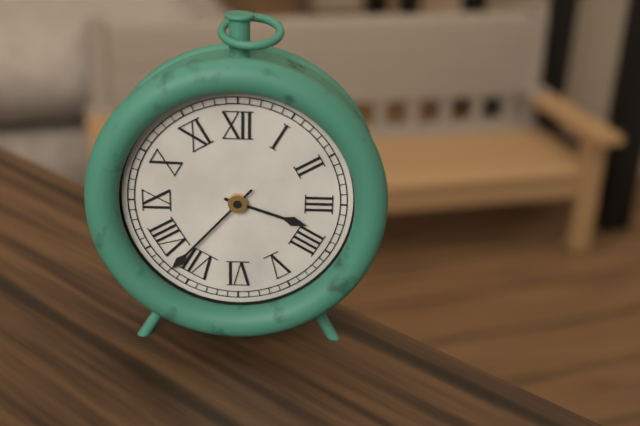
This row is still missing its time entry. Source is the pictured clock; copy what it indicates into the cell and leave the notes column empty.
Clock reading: 3:37
